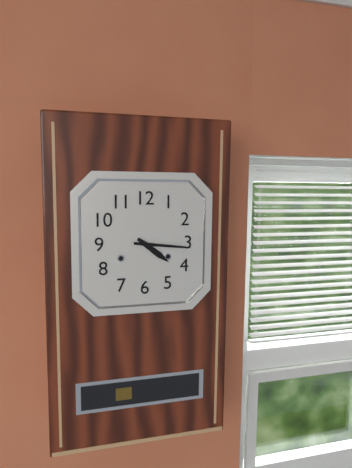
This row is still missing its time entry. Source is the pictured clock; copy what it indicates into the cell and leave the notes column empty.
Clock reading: 4:16
